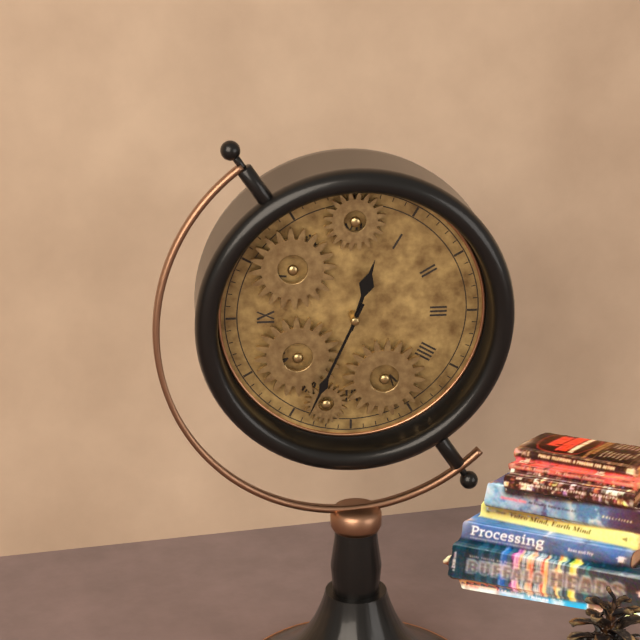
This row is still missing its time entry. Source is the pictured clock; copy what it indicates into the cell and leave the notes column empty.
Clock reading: 12:34
